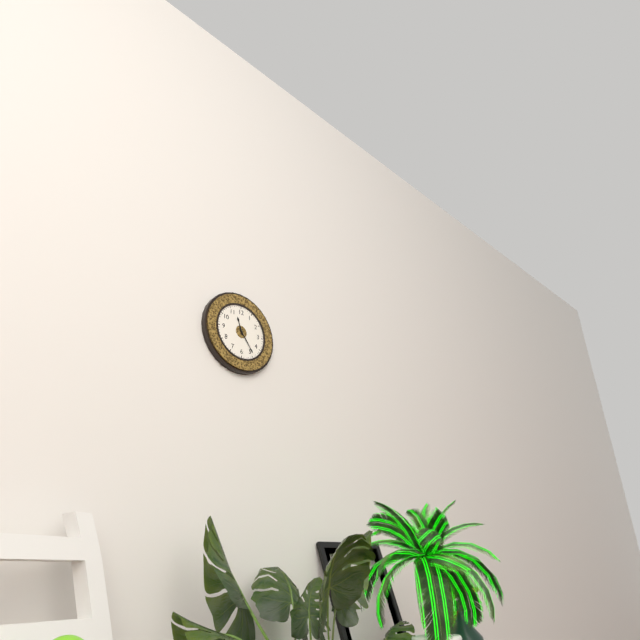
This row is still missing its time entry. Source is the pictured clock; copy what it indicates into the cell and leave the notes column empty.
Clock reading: 11:24
